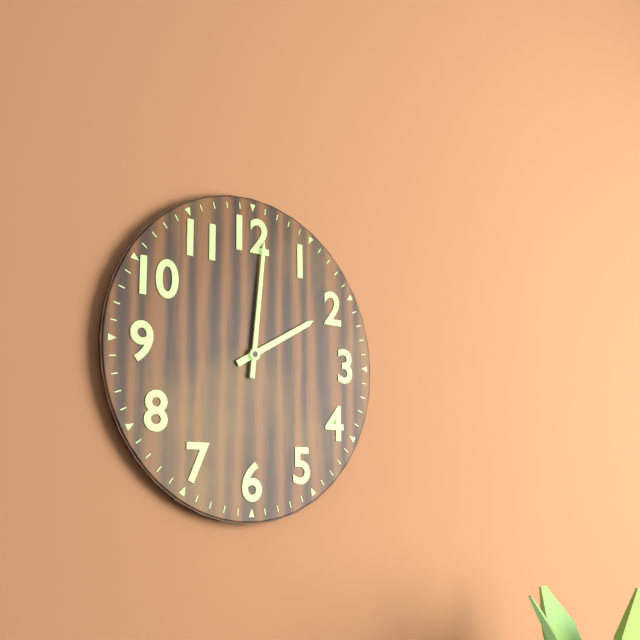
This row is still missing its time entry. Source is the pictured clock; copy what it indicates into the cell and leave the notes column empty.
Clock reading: 2:01
